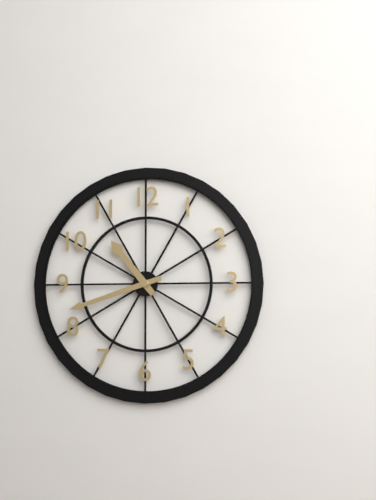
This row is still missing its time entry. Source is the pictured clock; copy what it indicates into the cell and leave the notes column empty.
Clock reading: 10:42
